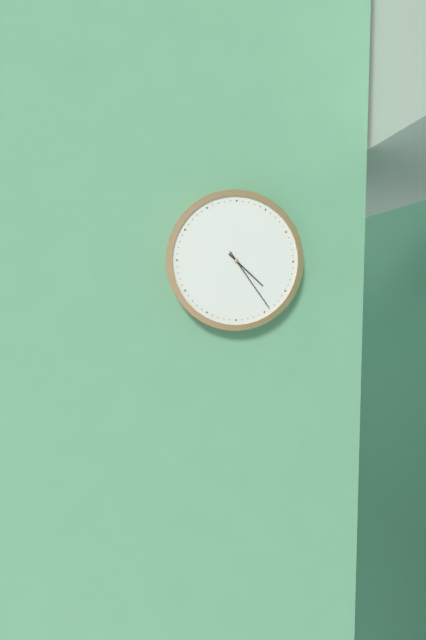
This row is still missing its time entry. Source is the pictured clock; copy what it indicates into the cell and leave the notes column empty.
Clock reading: 4:24
